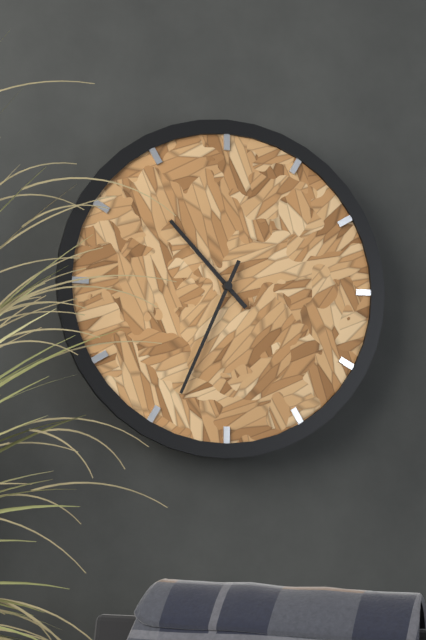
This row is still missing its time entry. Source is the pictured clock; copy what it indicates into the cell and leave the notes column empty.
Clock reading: 10:34
